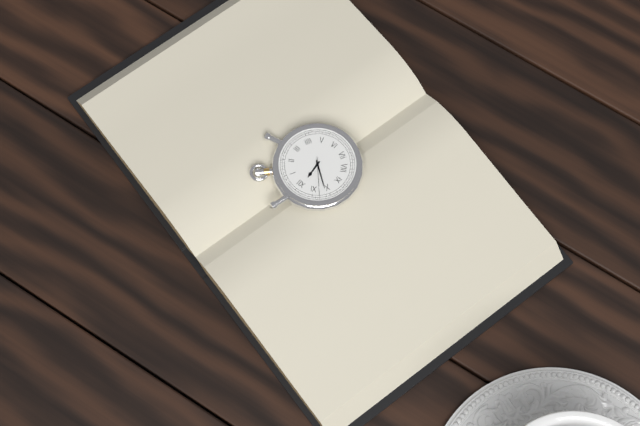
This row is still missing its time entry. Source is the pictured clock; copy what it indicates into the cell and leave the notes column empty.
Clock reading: 11:51
